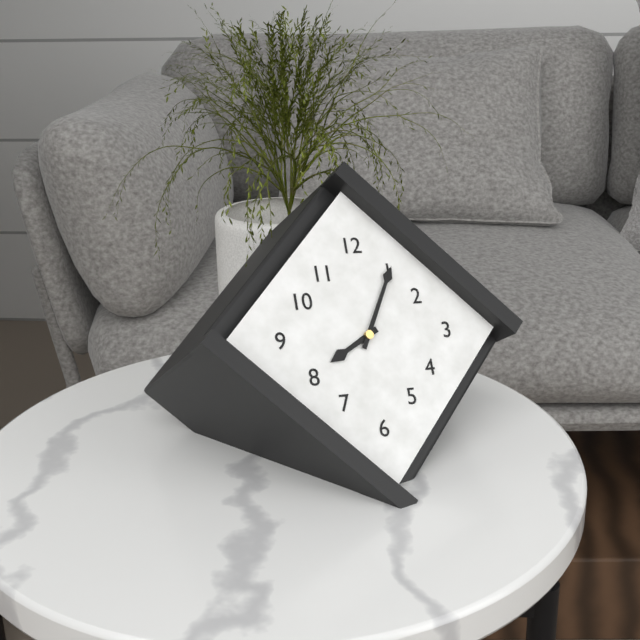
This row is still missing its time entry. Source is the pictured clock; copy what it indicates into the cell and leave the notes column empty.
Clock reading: 8:05
